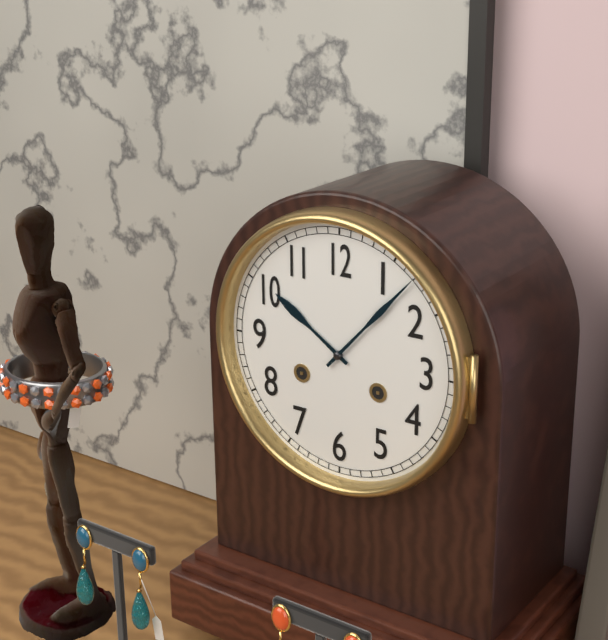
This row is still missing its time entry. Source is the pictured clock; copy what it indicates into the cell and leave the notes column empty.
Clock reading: 10:07
